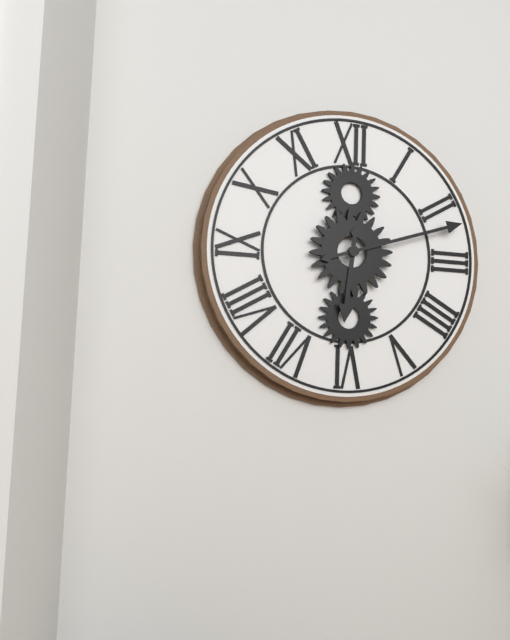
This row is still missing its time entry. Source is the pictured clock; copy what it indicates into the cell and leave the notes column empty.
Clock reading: 6:12
